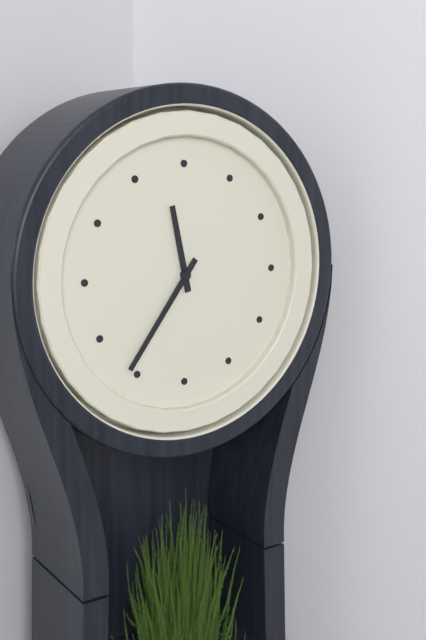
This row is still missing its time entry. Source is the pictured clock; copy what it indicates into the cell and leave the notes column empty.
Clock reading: 11:36
